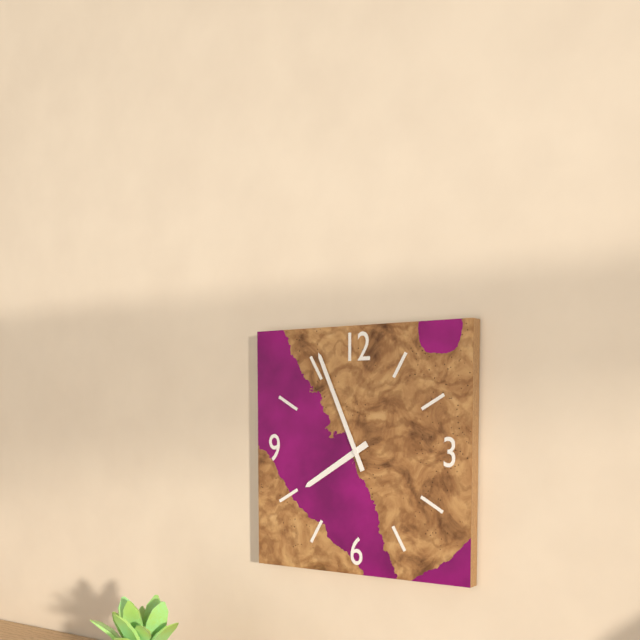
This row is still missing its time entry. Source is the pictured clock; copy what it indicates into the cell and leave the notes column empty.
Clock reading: 7:56
